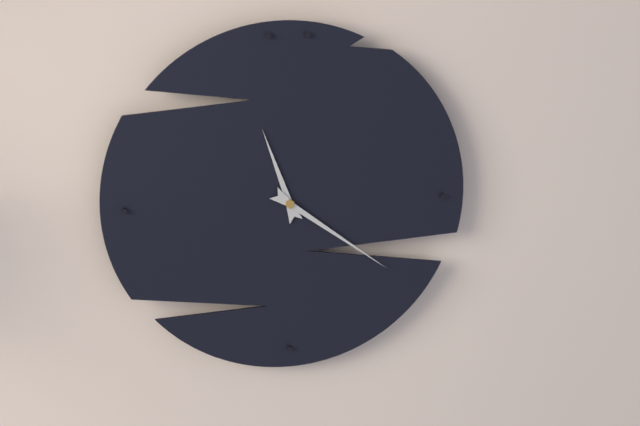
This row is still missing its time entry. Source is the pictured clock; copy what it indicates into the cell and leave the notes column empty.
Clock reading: 11:21
